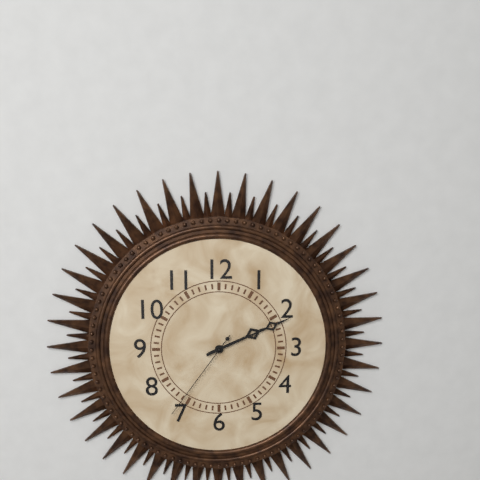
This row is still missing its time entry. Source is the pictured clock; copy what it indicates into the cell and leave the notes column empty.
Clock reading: 2:11:36
